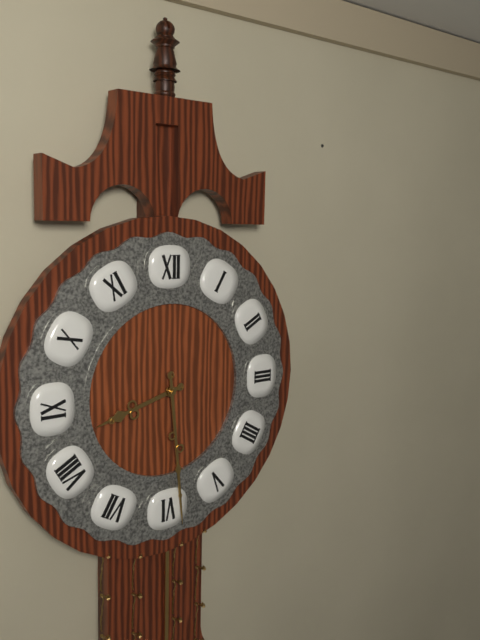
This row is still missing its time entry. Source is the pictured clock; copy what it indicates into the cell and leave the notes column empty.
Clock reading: 8:29
